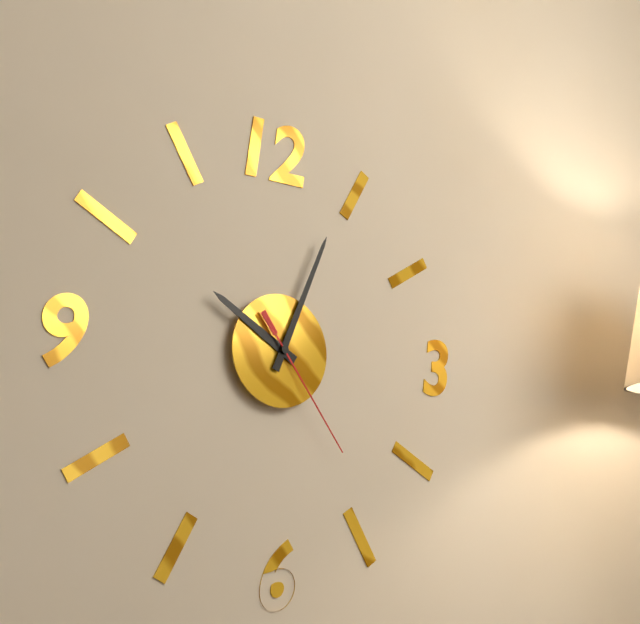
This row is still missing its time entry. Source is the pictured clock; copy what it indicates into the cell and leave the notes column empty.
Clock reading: 10:04:24
